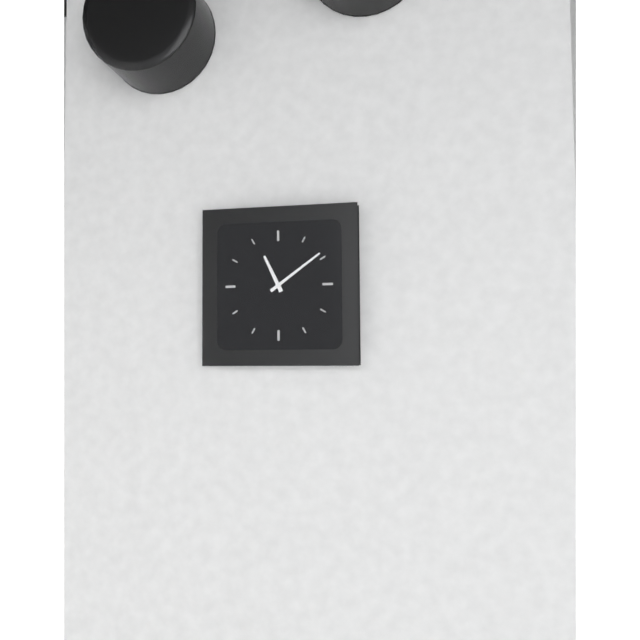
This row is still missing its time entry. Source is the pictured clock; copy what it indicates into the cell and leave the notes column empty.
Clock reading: 11:09
